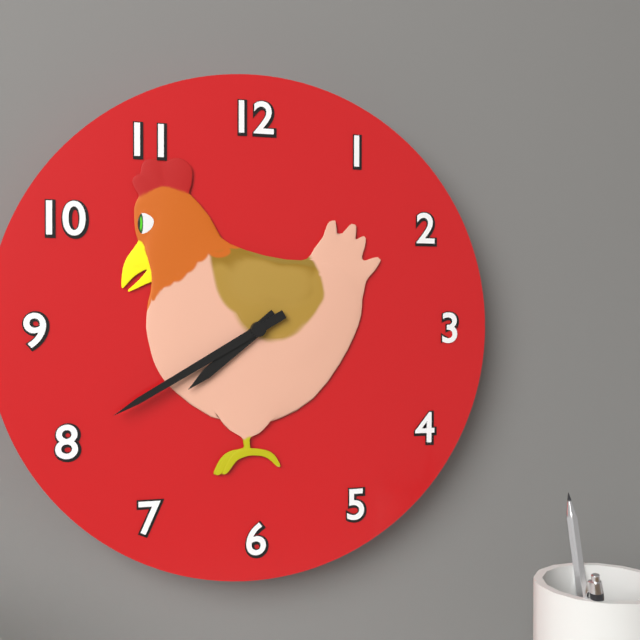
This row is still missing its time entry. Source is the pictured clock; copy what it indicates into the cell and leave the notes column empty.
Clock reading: 7:40
